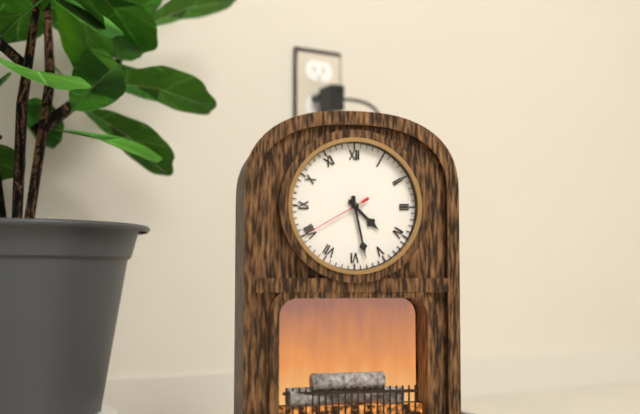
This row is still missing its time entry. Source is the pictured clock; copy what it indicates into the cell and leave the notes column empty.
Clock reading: 4:28:40
